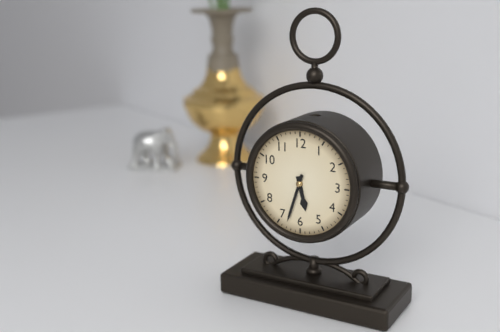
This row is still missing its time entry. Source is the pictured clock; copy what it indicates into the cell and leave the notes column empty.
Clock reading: 5:33
